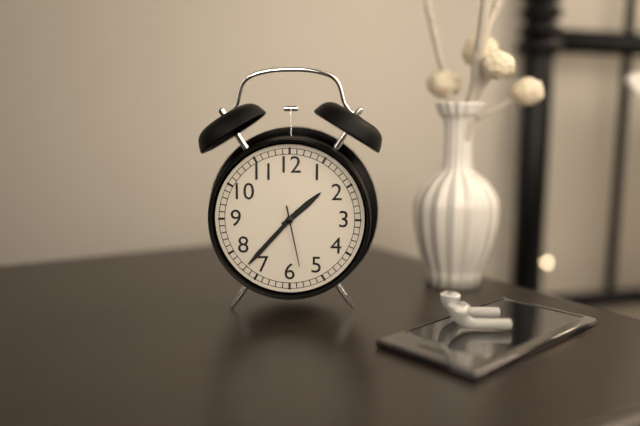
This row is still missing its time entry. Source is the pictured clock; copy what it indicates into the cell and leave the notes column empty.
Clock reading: 1:37:28
